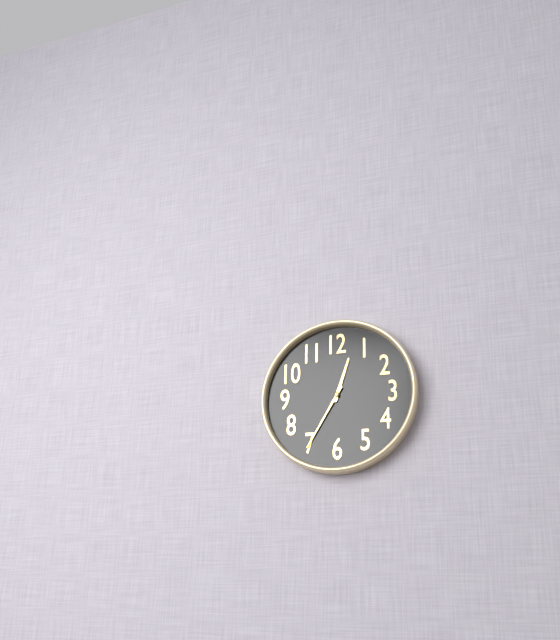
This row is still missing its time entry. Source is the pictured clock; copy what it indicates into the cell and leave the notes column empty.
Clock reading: 12:35
